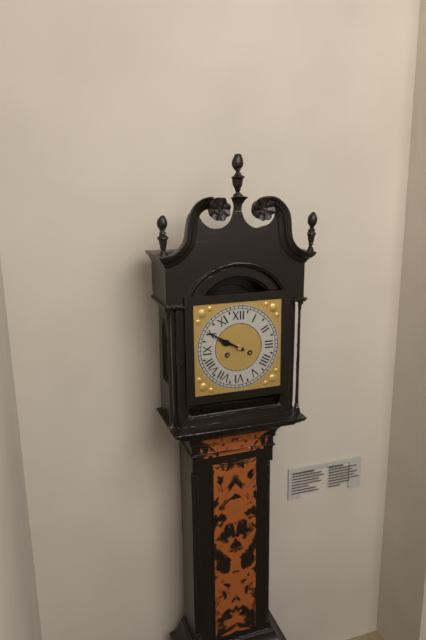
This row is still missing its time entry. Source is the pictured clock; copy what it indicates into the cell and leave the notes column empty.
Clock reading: 9:50
